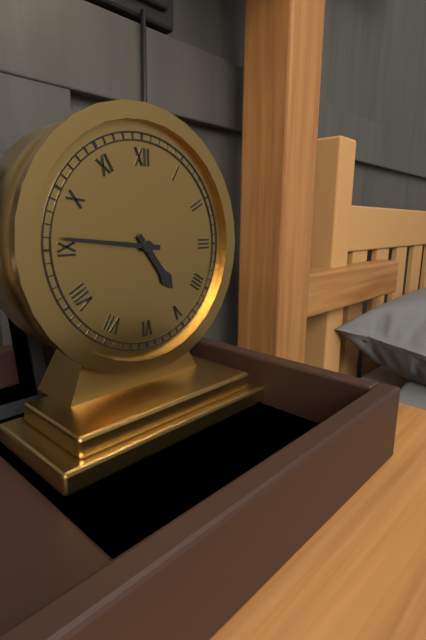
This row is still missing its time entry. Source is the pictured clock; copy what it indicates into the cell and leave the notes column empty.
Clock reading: 4:46
